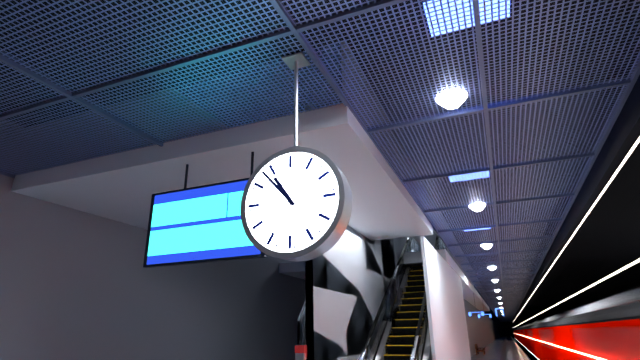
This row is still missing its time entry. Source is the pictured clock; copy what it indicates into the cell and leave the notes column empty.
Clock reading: 10:53
